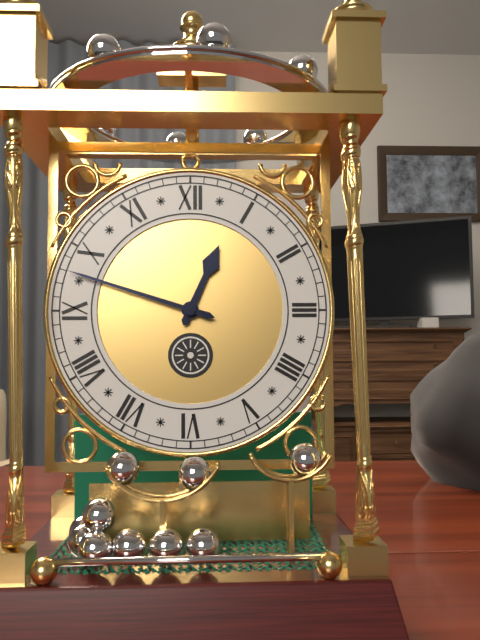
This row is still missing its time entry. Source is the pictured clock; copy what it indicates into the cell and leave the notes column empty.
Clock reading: 12:48
